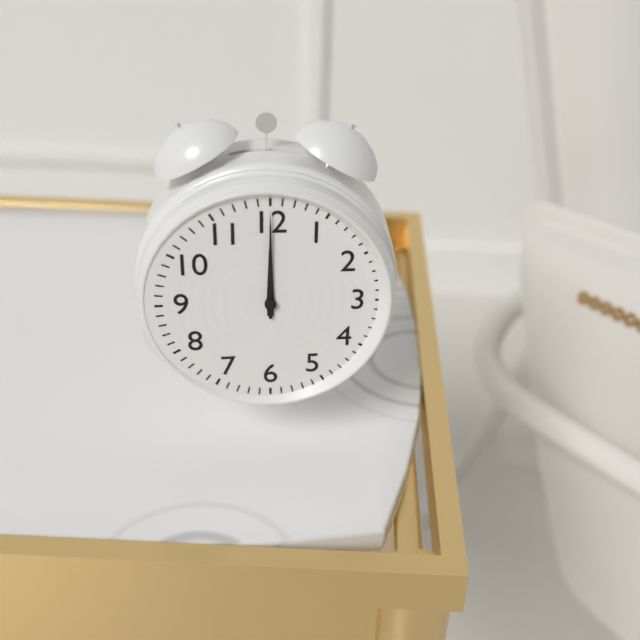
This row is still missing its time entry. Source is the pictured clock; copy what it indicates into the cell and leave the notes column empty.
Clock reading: 12:00
